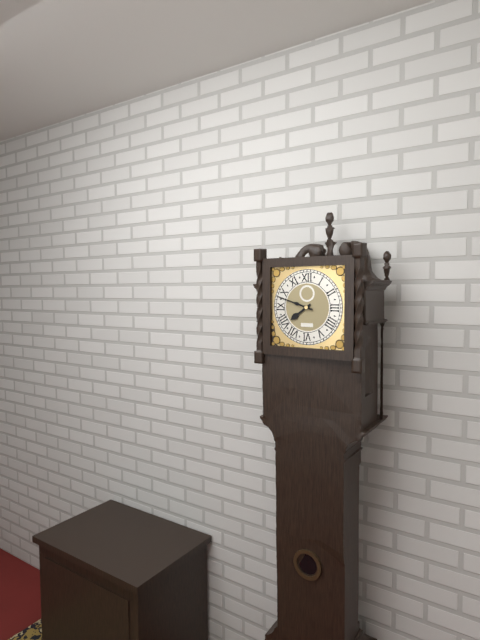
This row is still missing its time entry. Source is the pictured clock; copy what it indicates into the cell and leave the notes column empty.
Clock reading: 7:48
